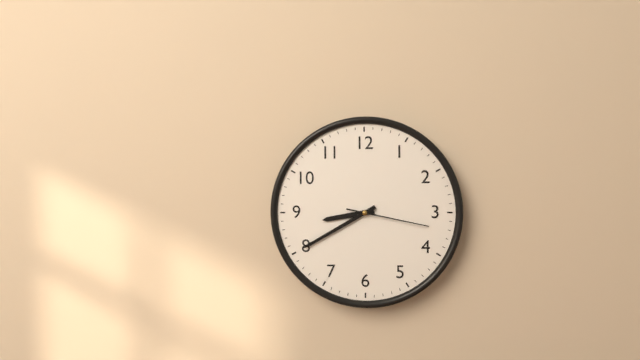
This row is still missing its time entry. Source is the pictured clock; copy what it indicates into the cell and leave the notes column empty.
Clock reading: 8:40:17
